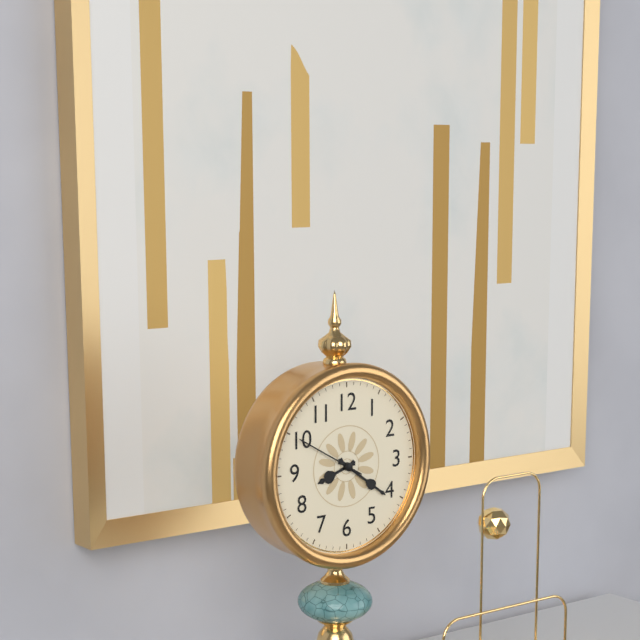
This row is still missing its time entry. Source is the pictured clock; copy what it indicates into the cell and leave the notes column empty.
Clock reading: 8:21:50
